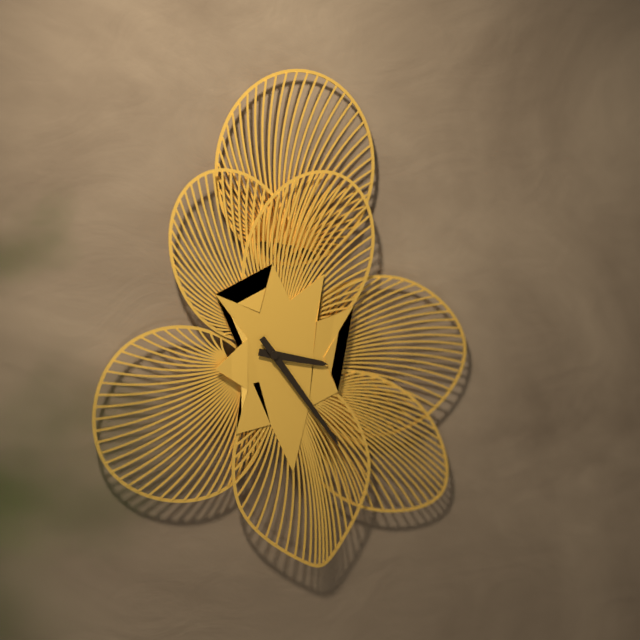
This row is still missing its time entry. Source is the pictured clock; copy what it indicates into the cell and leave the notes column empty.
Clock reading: 3:24
